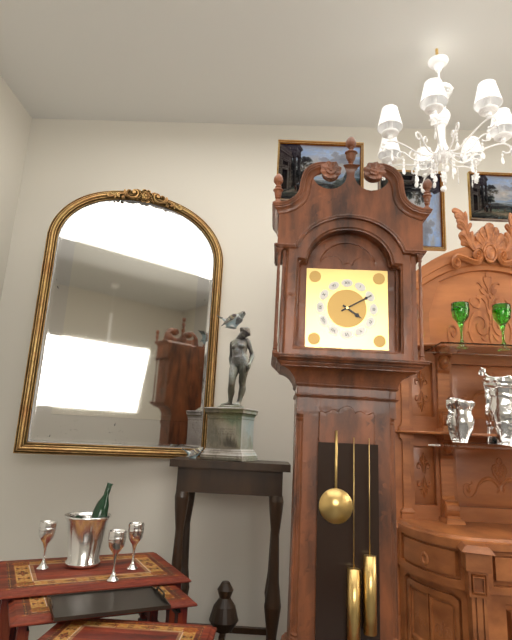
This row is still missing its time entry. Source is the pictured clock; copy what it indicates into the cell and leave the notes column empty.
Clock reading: 4:10
